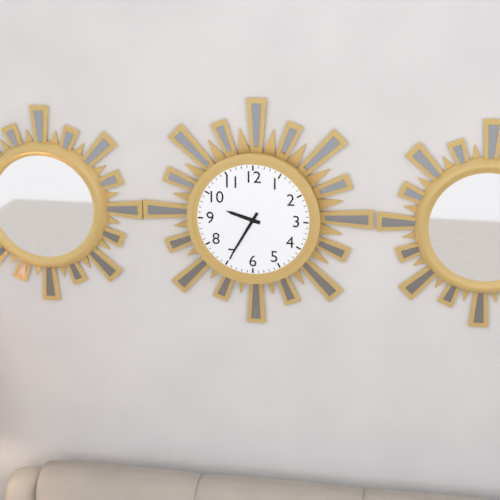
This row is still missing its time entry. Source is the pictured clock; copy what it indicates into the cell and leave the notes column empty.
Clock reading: 9:35
